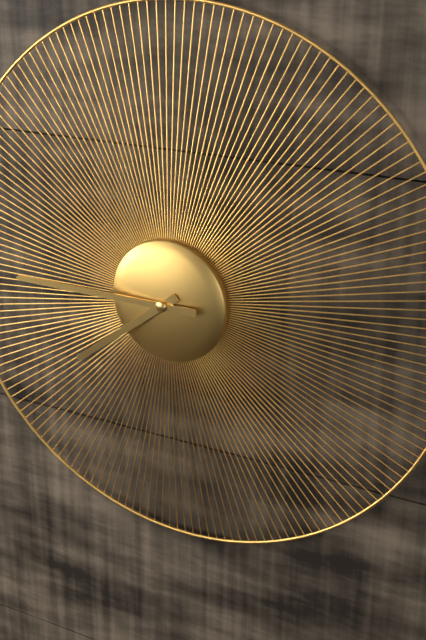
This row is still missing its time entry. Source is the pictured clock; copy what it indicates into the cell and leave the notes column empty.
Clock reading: 7:45
